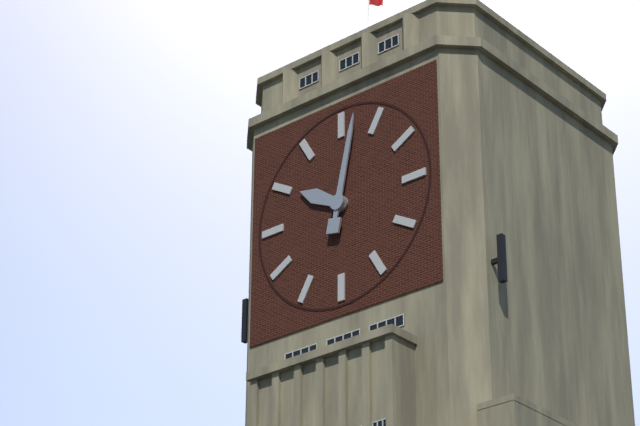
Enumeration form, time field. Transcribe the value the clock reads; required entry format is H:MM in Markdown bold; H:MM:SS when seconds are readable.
**10:02**
